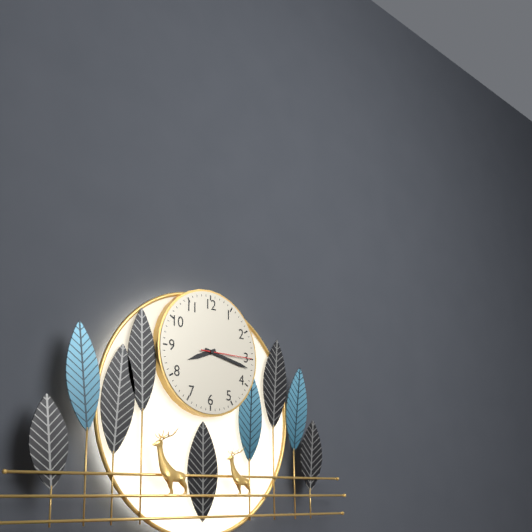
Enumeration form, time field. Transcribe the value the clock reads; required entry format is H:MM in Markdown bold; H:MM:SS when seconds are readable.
**8:17:15**
